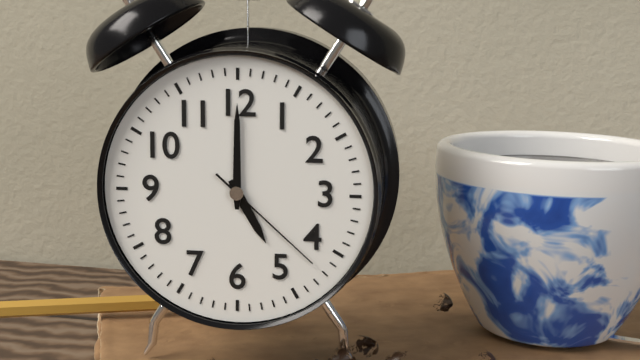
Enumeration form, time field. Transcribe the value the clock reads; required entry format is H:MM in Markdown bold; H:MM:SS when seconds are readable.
**5:00:22**
